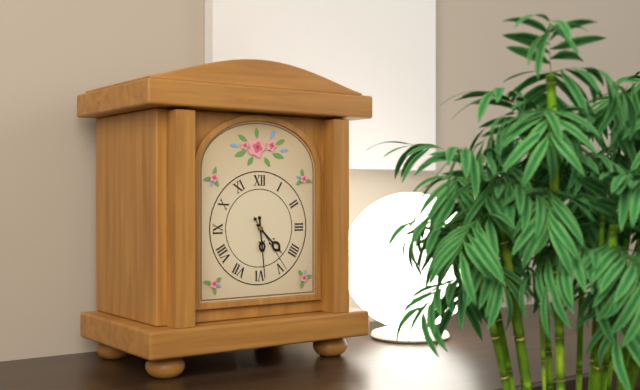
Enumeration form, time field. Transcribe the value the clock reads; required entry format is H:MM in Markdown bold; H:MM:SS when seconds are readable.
**4:29:24**
